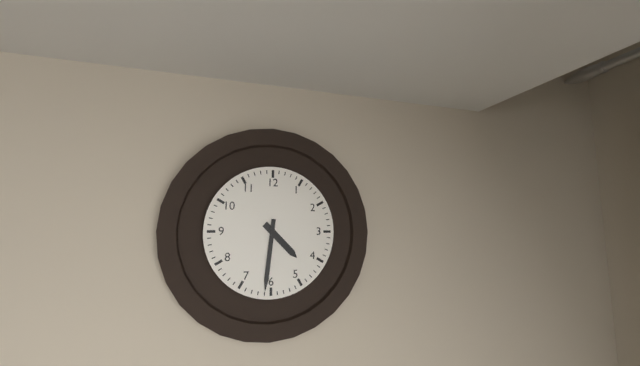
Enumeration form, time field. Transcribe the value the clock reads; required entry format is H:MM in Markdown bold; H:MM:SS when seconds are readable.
**4:31**
